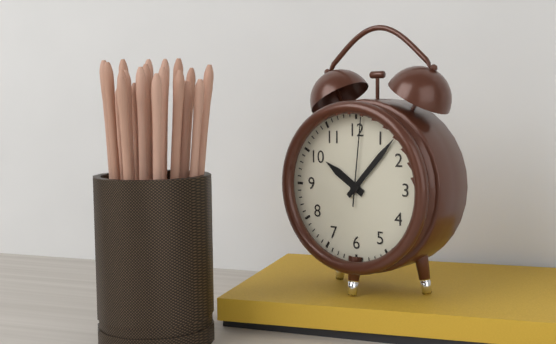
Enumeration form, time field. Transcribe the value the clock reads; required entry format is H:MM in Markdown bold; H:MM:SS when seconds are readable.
**10:07:01**
